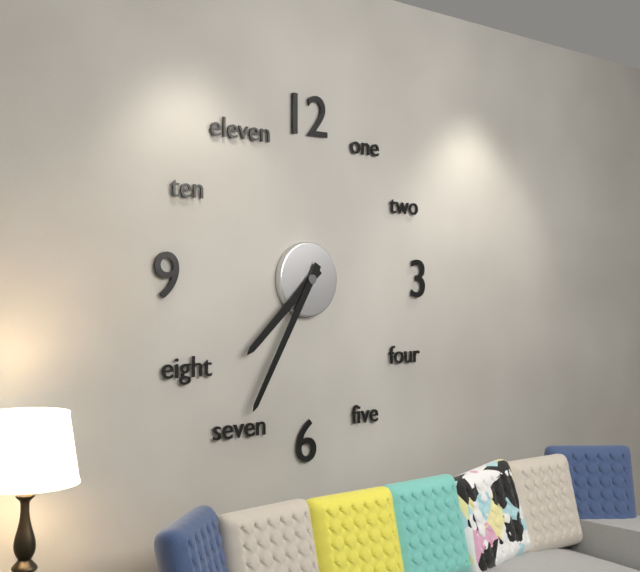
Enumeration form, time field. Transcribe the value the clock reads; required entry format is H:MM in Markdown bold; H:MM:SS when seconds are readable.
**7:35**
